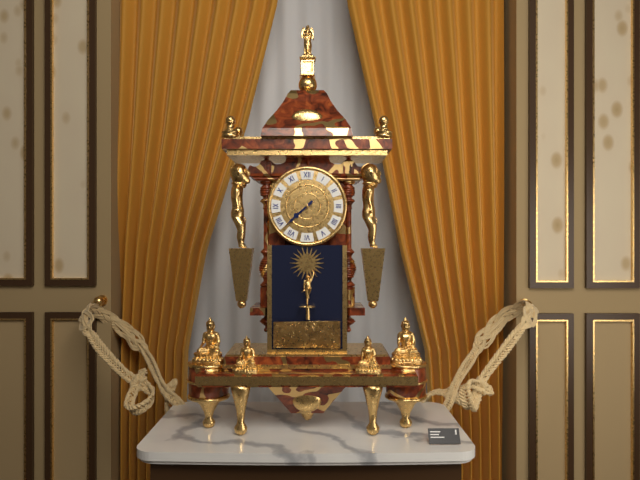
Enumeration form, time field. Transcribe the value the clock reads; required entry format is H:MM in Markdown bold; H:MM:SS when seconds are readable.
**7:38**
